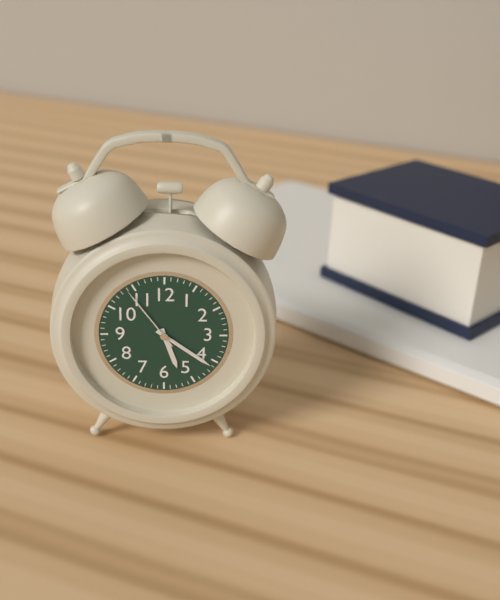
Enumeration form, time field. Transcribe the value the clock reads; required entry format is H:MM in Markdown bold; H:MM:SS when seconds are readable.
**5:21:54**
